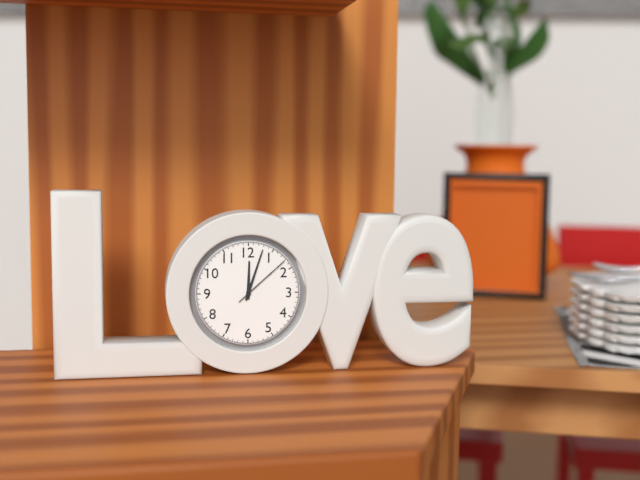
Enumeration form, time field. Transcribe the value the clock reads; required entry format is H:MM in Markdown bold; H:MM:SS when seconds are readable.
**12:03:08**
